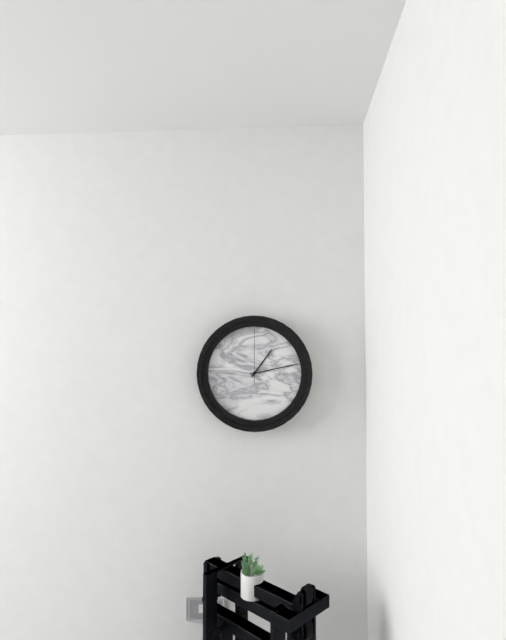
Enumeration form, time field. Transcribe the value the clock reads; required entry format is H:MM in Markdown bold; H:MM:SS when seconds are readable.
**1:13:00**
